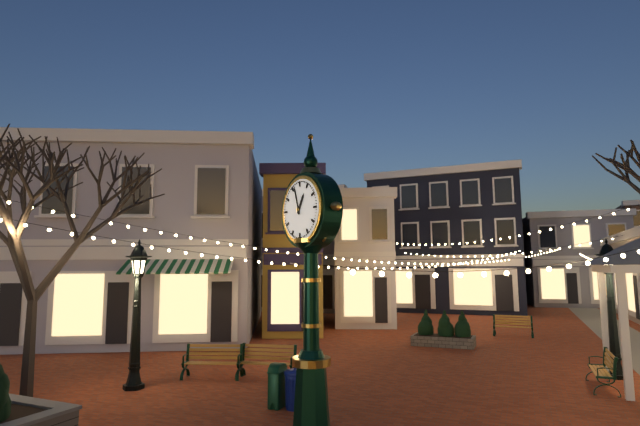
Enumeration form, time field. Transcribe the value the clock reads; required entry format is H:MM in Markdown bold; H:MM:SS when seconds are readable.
**12:57**
